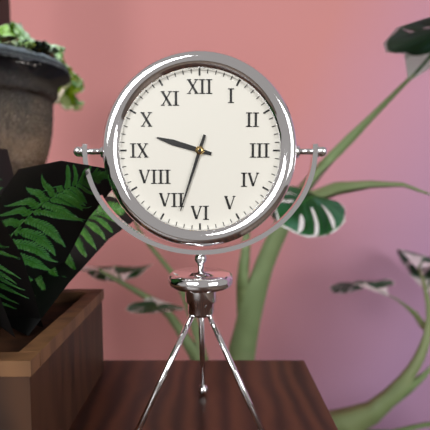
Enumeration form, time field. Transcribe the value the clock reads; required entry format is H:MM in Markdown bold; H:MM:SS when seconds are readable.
**9:33**
